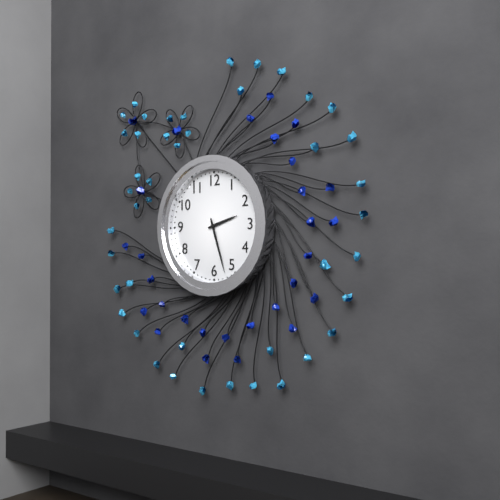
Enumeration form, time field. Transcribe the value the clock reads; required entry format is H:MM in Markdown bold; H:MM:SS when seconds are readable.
**2:27**
